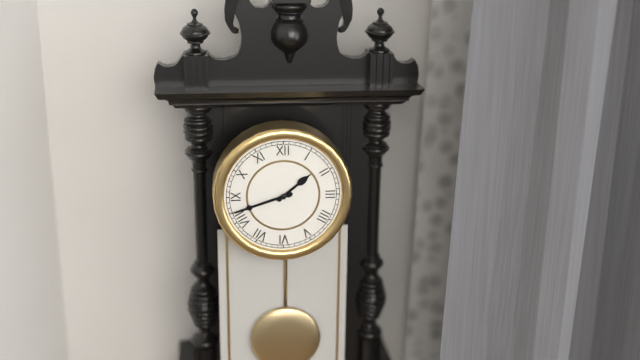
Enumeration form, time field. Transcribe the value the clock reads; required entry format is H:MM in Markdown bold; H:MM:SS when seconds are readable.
**1:42**
